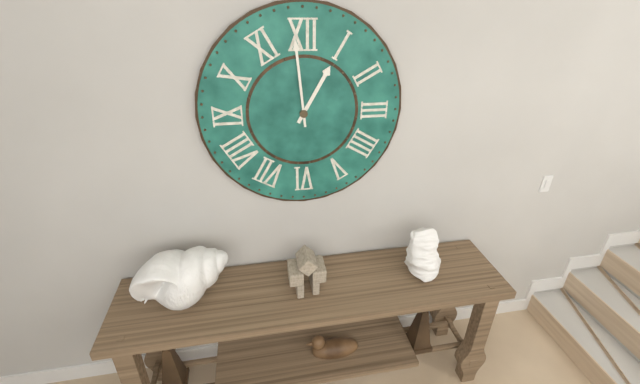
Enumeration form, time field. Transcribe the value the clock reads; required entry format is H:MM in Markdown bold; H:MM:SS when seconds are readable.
**12:59**
